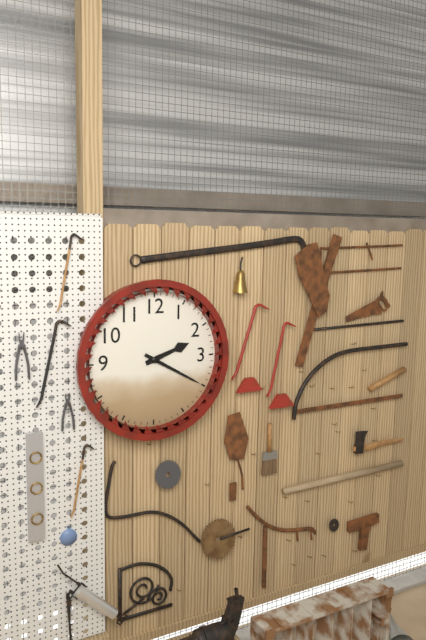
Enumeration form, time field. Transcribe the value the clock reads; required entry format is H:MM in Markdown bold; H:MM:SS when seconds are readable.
**2:20**
